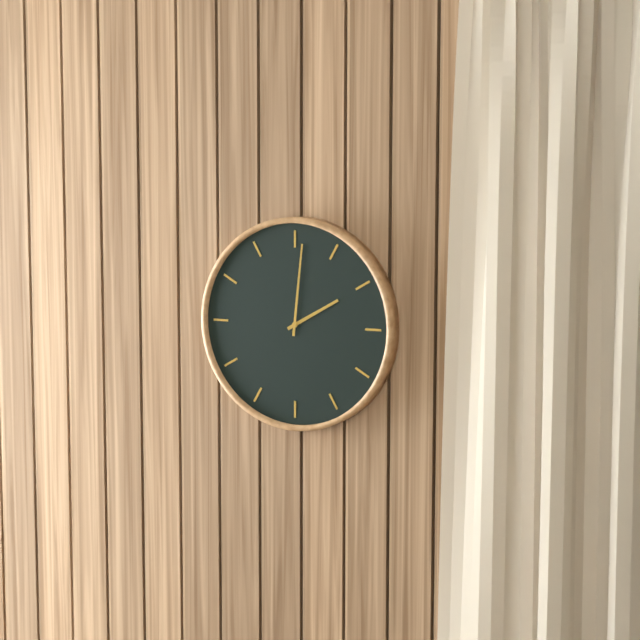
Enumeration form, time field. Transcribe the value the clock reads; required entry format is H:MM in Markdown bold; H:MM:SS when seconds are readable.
**2:01**
